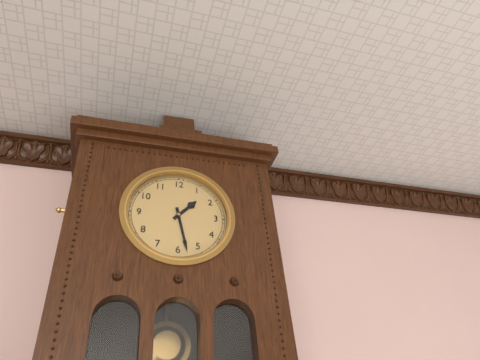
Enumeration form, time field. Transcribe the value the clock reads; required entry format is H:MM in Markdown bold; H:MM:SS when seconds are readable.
**1:28**
